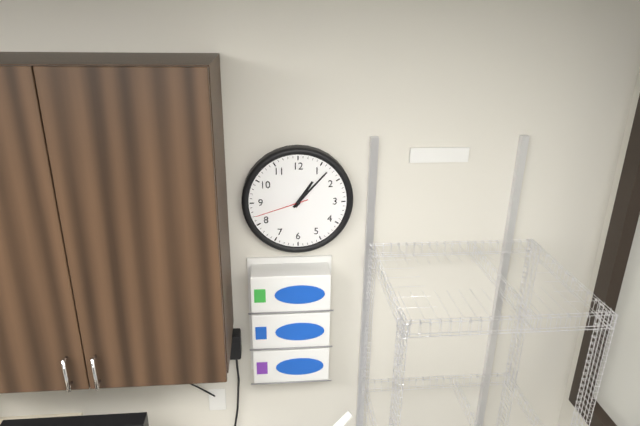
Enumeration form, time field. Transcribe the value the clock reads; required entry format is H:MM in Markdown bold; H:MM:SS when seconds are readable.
**1:07:42**
